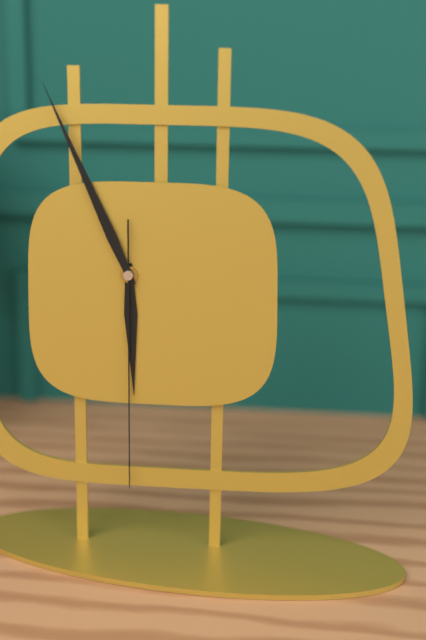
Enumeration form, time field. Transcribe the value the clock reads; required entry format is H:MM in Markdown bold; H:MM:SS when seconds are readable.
**5:56:30**
